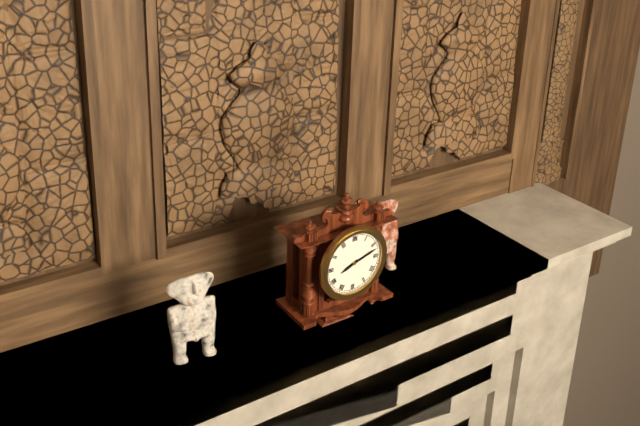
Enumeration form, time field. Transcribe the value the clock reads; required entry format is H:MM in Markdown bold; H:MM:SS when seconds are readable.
**8:12**
